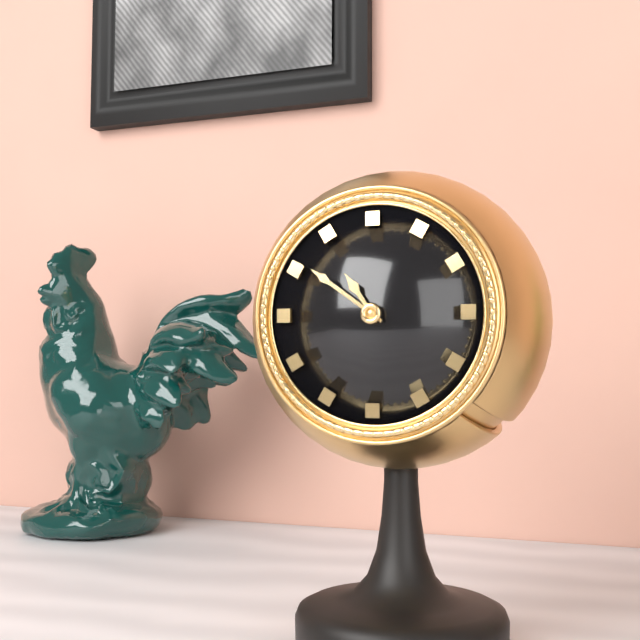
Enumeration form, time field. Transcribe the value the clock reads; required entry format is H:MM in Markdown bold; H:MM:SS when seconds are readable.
**10:51**
